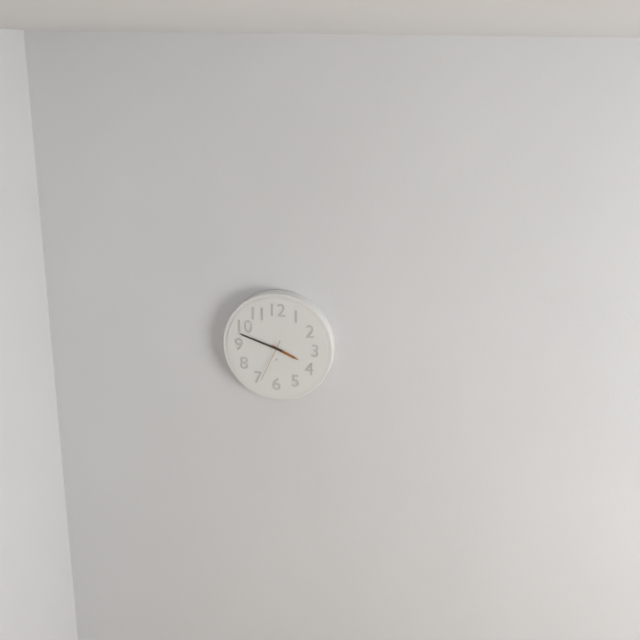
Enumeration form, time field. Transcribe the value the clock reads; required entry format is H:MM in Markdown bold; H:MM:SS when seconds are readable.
**3:48**
